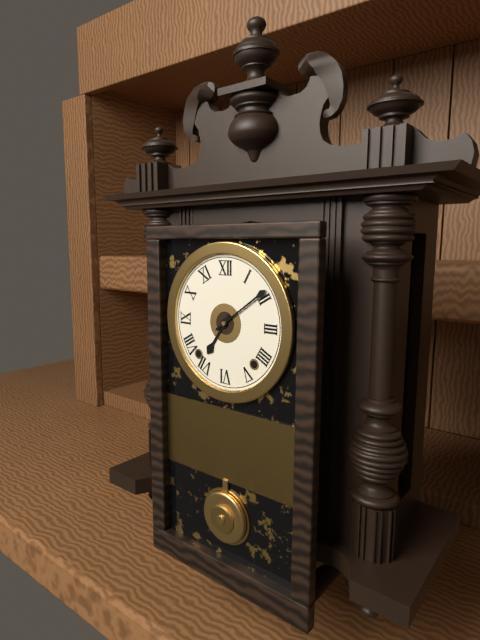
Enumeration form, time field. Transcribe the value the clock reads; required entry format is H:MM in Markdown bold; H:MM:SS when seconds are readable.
**7:09**
